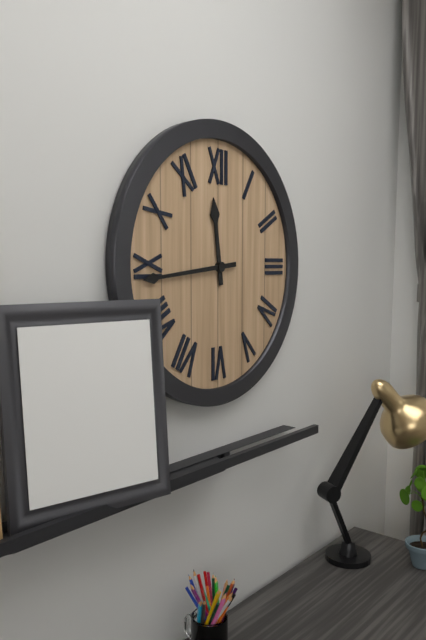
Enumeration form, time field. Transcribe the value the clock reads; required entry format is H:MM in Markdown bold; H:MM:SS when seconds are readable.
**11:44**
